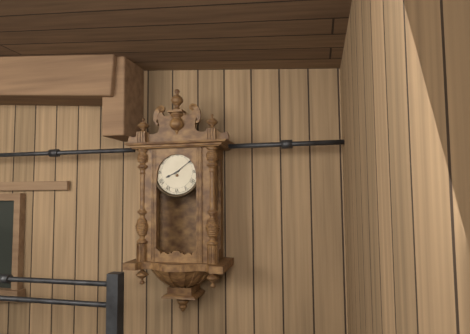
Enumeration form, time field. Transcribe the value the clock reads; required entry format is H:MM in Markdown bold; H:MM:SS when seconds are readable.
**8:09**
